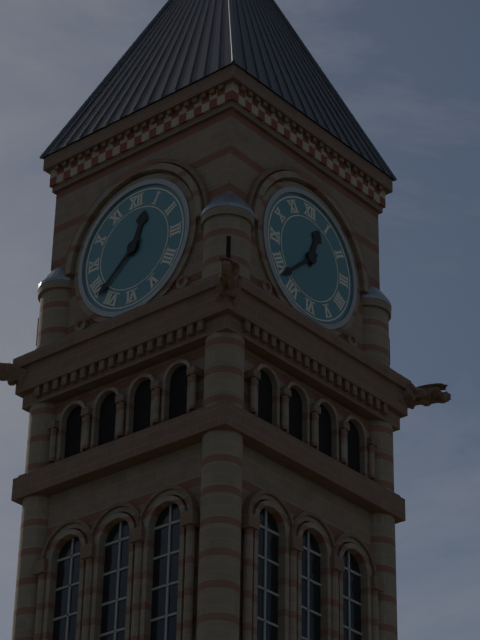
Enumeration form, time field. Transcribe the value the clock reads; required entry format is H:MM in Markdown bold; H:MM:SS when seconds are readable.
**12:38**
